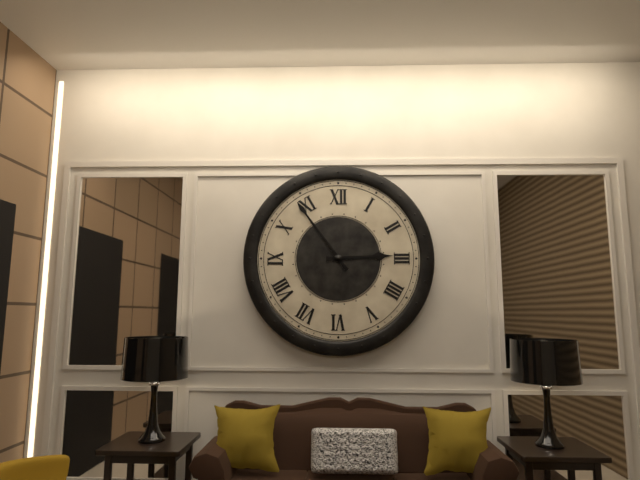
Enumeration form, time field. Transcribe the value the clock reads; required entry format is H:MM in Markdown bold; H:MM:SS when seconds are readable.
**2:54**
